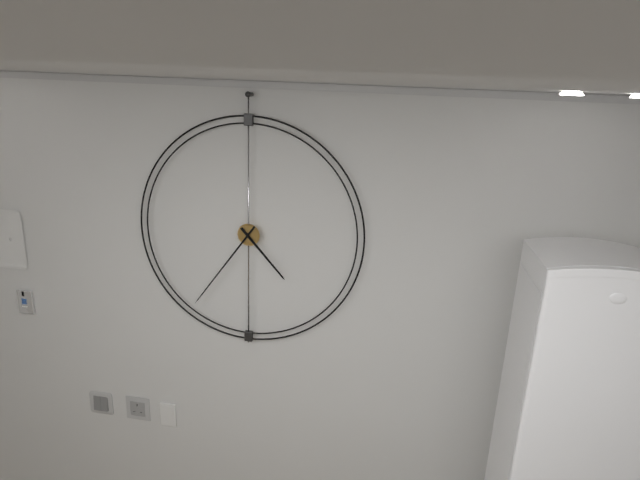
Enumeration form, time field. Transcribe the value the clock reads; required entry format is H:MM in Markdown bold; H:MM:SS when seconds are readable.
**4:36**
